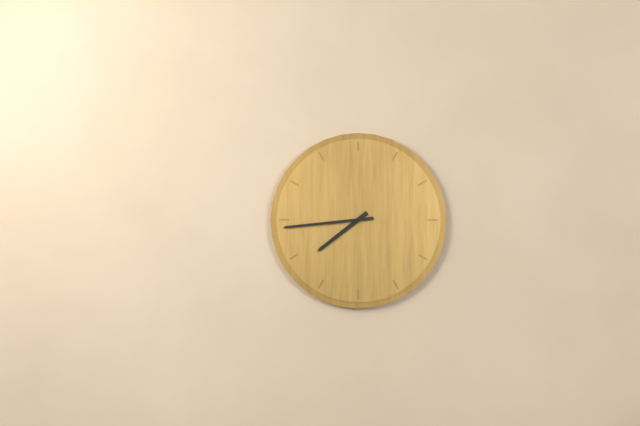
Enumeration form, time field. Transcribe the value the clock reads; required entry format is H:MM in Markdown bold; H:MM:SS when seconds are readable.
**7:44**
